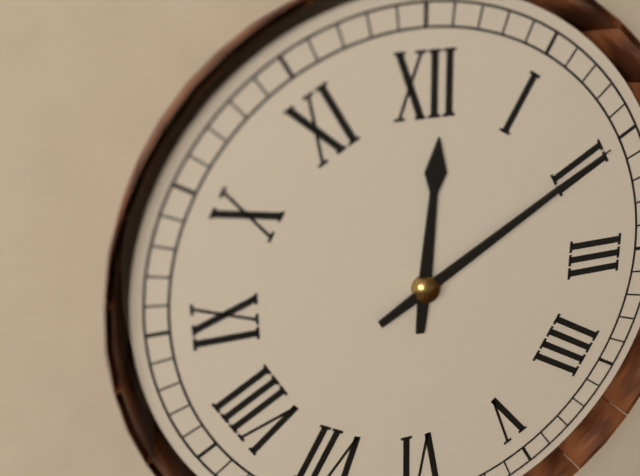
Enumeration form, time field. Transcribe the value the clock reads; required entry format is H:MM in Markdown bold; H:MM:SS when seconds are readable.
**12:10**
